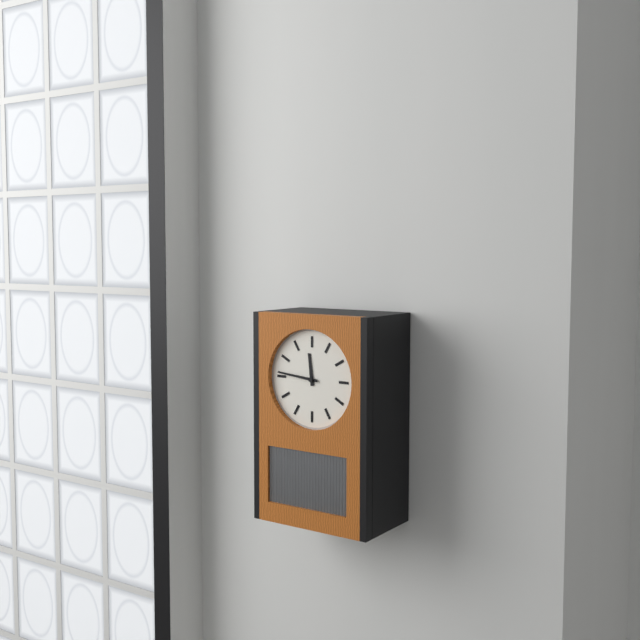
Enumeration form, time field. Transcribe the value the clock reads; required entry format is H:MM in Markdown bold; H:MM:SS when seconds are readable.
**11:46**
